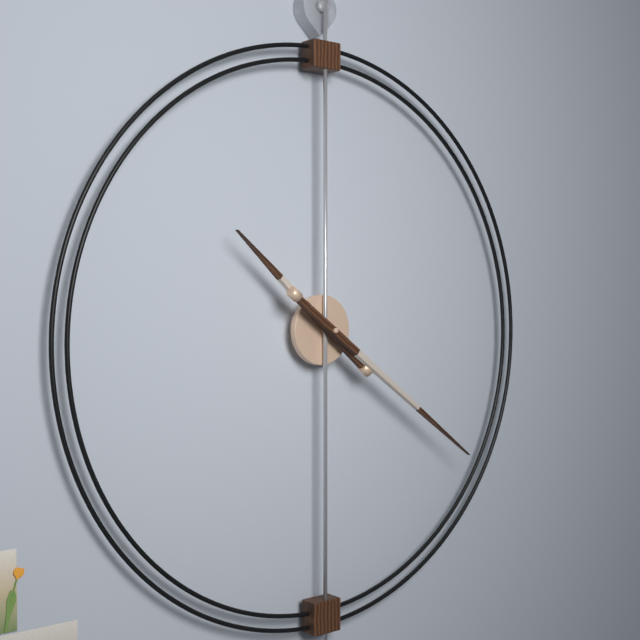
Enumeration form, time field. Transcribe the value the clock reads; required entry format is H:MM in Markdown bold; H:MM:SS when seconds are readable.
**10:21**
